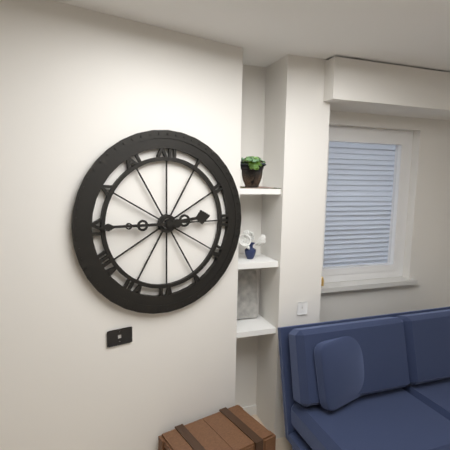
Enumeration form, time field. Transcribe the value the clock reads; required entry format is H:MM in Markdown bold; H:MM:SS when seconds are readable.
**2:45**
